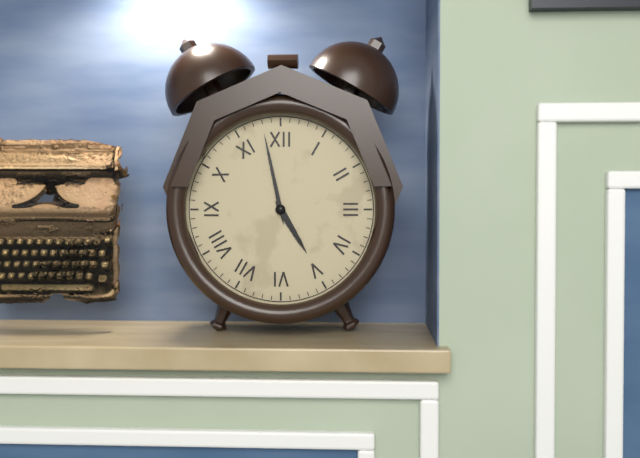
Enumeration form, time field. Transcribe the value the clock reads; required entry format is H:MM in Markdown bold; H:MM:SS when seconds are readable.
**4:58**
